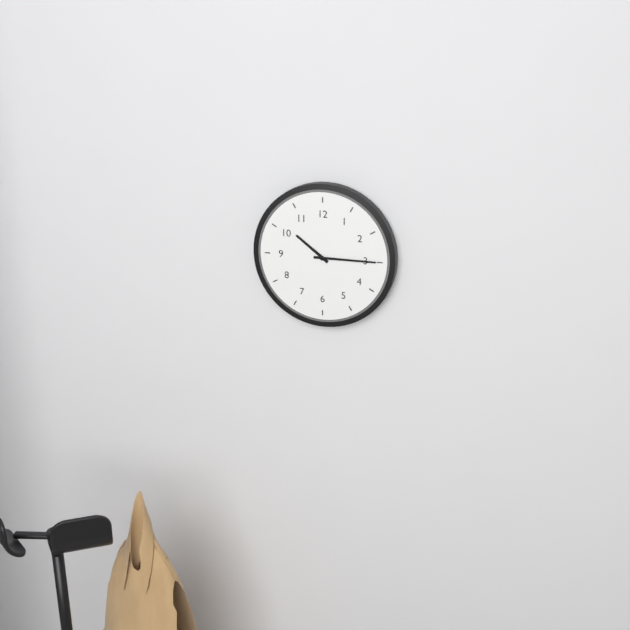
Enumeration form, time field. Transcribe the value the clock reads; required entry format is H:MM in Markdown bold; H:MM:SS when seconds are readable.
**10:15**
